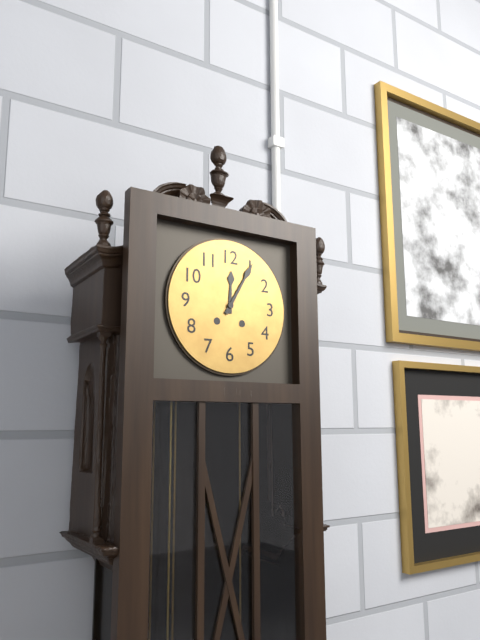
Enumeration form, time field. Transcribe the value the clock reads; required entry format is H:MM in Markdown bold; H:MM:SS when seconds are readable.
**12:05**
